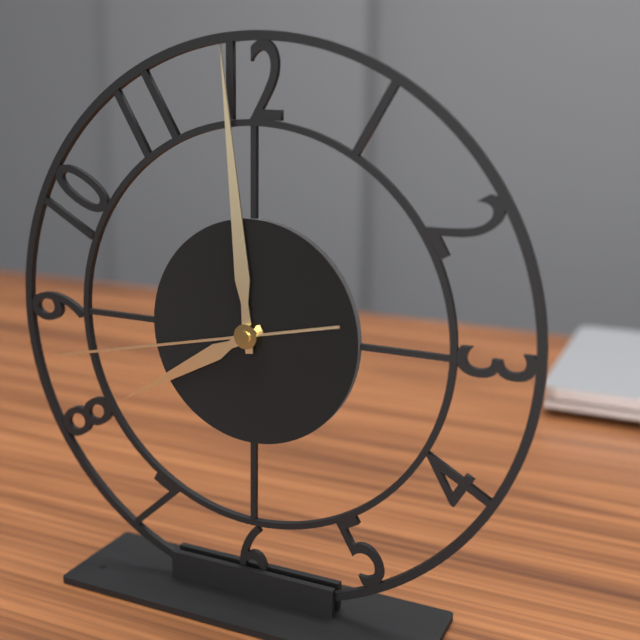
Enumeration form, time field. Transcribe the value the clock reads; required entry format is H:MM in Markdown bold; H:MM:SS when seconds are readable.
**7:59:43**
